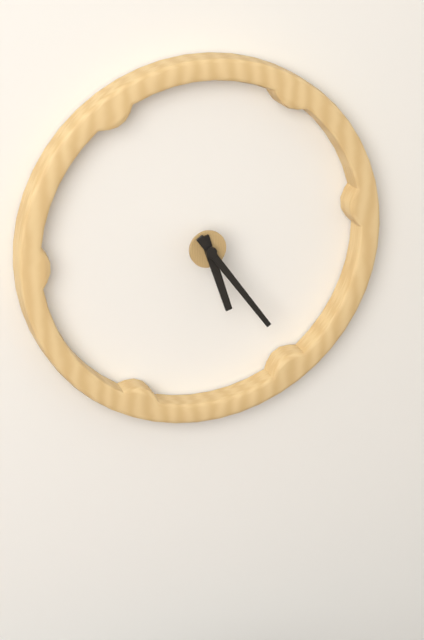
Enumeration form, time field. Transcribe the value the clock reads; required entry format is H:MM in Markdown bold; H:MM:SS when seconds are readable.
**5:24**
